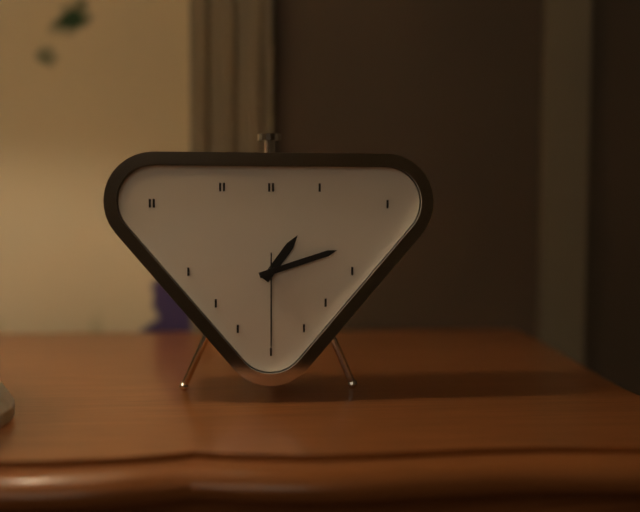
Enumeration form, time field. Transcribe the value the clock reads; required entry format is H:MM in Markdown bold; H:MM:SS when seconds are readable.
**1:12:30**
